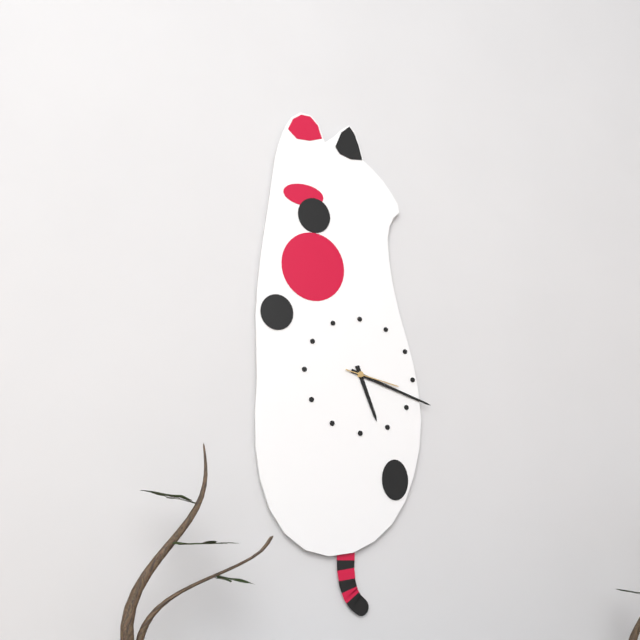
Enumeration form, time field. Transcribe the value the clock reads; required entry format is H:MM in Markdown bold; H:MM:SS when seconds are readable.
**5:18**
